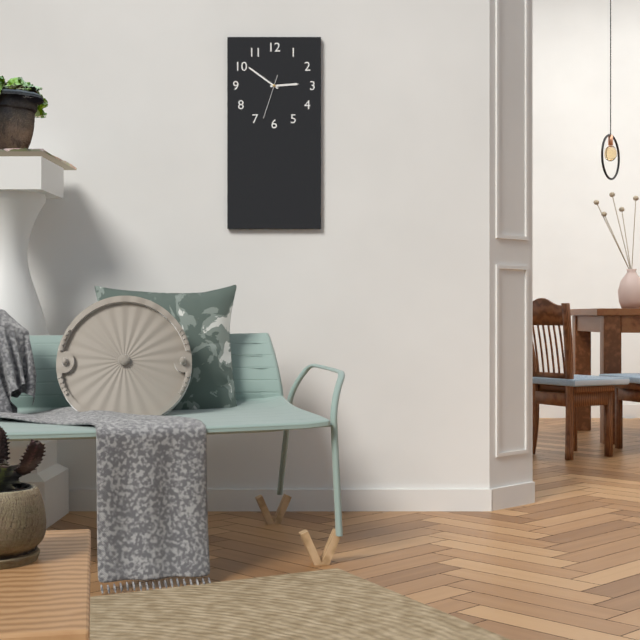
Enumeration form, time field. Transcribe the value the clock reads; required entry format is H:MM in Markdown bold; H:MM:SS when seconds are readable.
**2:51**
